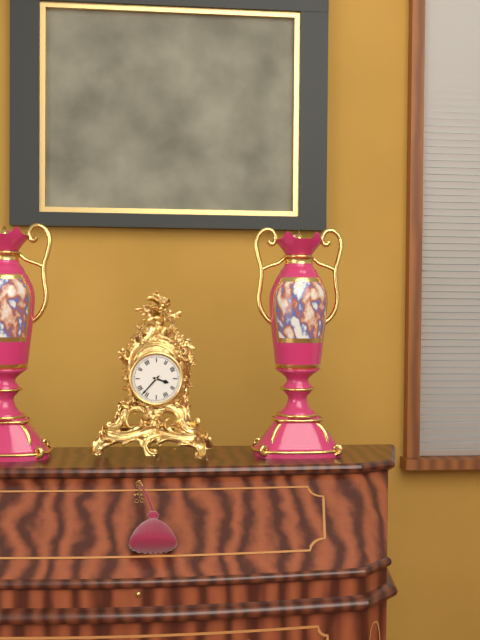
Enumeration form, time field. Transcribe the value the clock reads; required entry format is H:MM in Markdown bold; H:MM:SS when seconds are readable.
**3:37**
